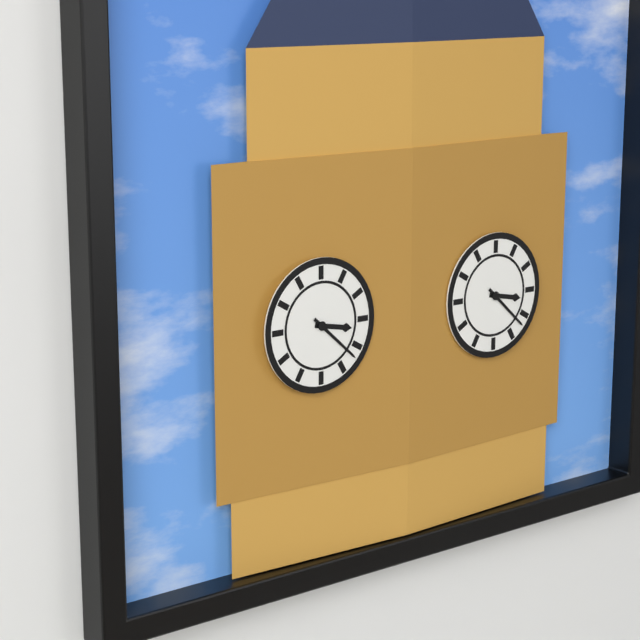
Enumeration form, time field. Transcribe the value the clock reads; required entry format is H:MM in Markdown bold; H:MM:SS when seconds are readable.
**3:22**
